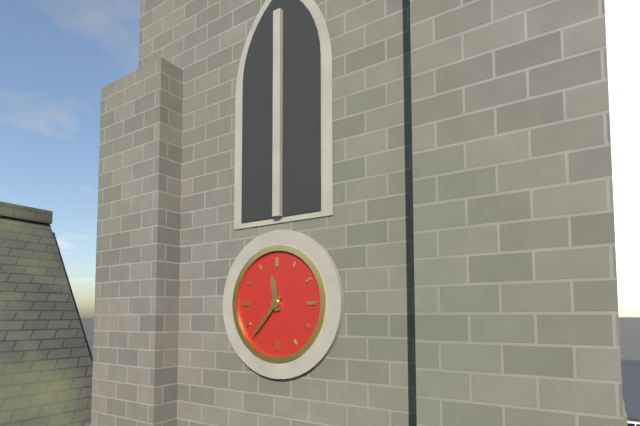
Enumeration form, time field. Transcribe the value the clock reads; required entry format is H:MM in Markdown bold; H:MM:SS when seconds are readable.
**11:37**
